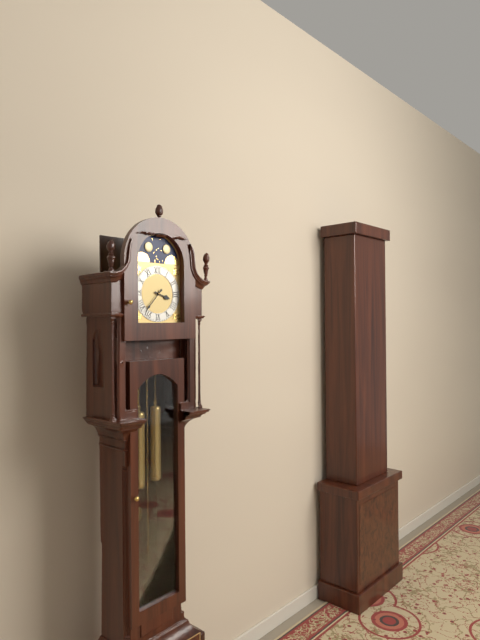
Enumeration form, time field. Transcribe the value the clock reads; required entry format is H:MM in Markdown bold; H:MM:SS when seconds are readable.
**3:37**
